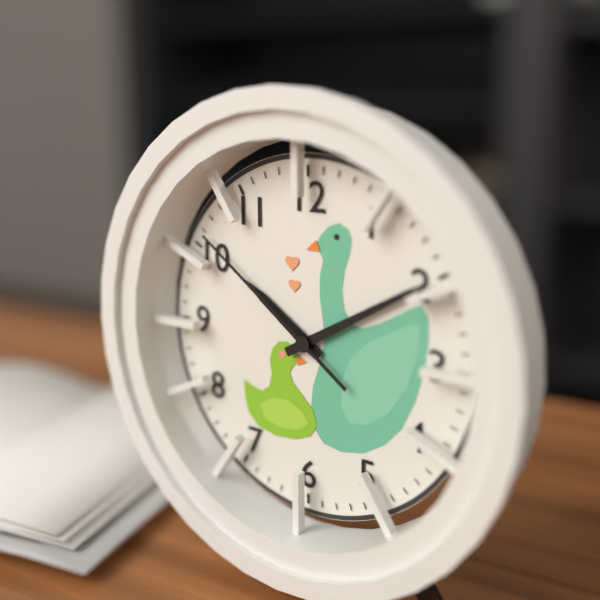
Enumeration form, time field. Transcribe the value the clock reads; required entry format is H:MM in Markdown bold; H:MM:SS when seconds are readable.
**10:10:51**
